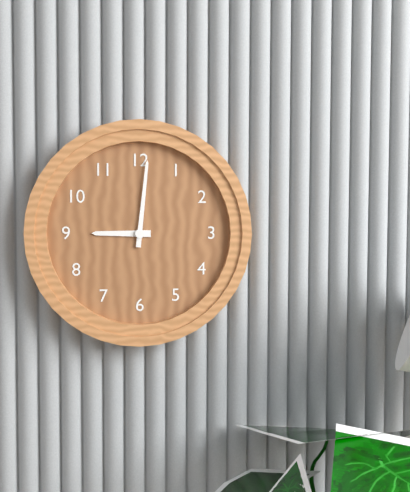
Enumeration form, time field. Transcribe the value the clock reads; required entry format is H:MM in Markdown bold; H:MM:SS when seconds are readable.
**9:01**
